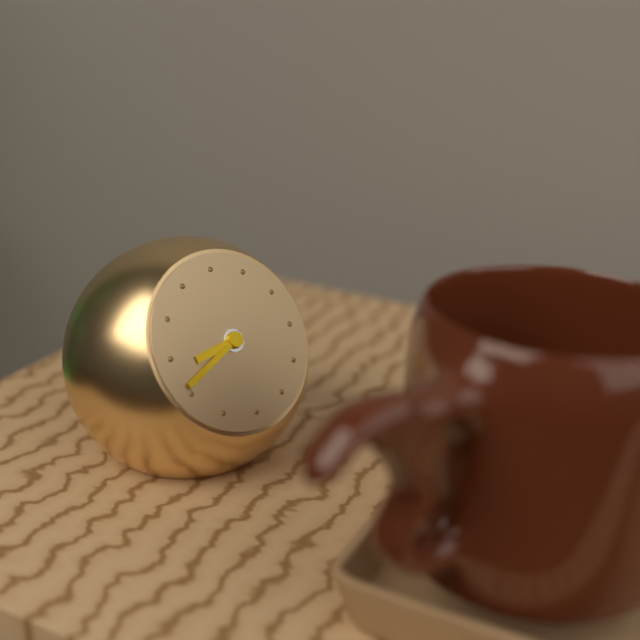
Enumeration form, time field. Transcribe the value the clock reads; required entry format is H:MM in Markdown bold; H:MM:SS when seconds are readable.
**8:41**
